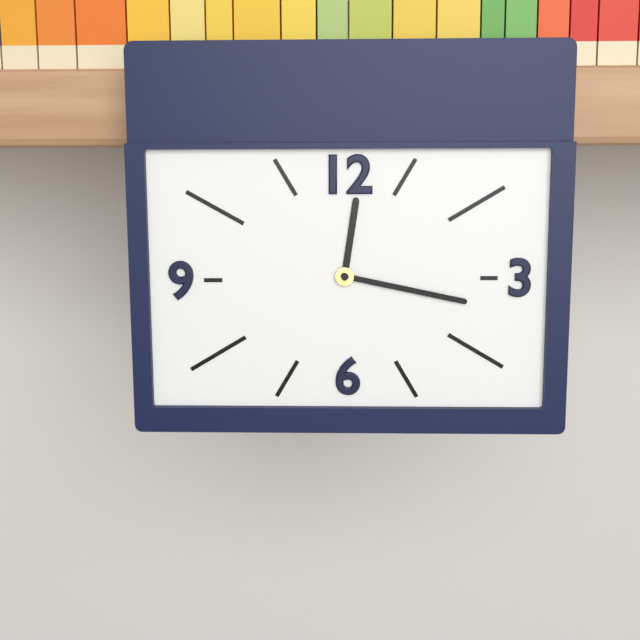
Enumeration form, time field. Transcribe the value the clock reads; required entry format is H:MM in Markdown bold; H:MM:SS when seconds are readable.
**12:17**
